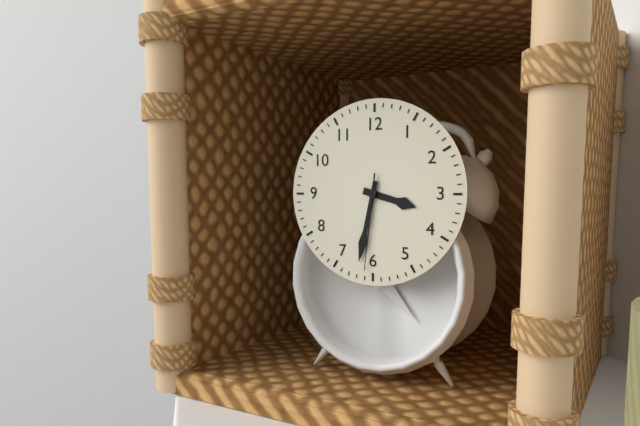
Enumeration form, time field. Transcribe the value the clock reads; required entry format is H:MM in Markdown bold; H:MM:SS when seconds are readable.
**3:32:31**
